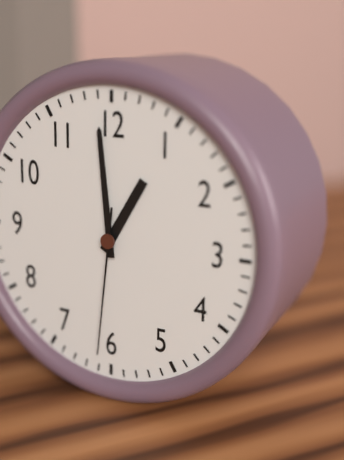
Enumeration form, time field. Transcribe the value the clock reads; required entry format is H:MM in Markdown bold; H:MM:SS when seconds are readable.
**12:59:31**
